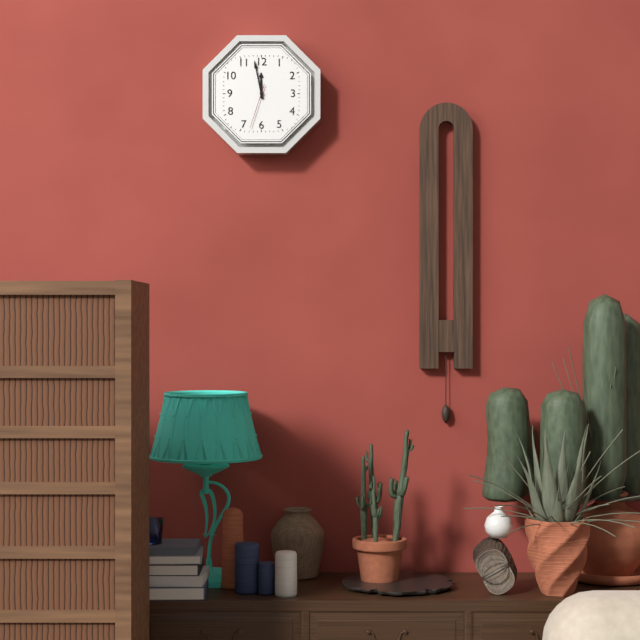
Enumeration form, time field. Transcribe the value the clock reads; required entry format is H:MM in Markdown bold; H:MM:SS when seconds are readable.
**11:58**
